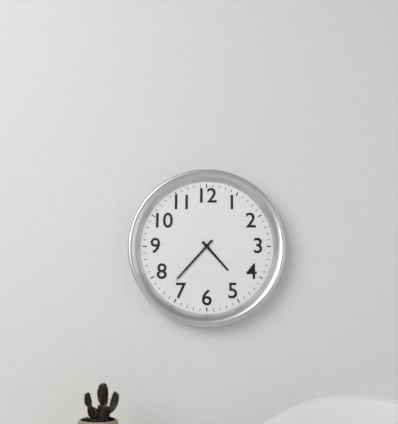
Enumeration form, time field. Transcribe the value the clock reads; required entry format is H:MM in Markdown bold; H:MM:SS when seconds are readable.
**4:37**
